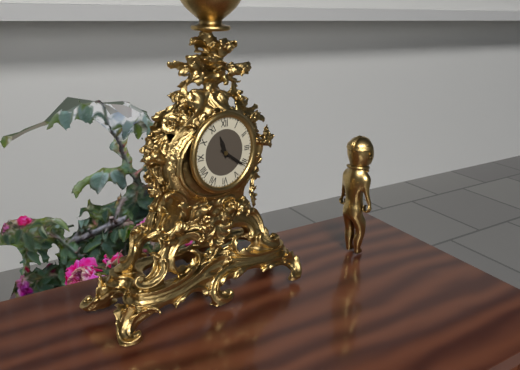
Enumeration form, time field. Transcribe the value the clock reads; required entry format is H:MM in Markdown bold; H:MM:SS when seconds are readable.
**11:21**
